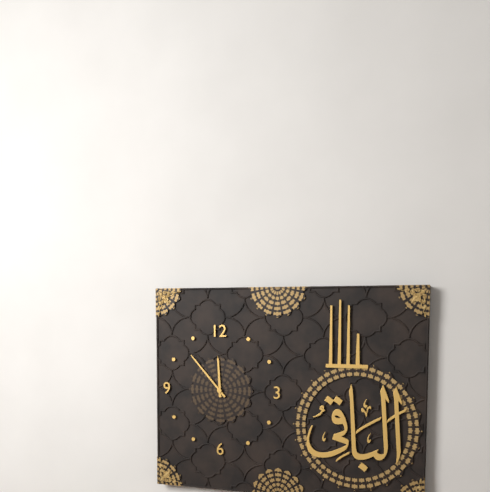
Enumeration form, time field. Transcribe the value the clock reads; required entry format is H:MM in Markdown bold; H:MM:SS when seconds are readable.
**11:53**
